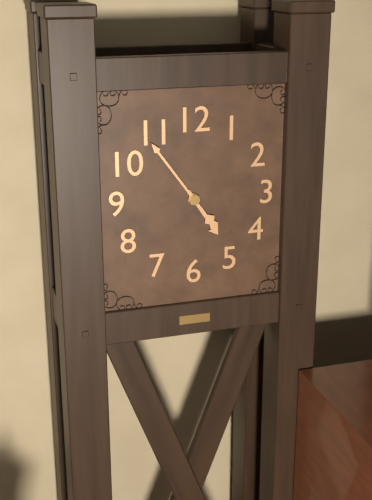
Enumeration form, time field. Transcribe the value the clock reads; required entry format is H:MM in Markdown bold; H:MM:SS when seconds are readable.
**4:54**
